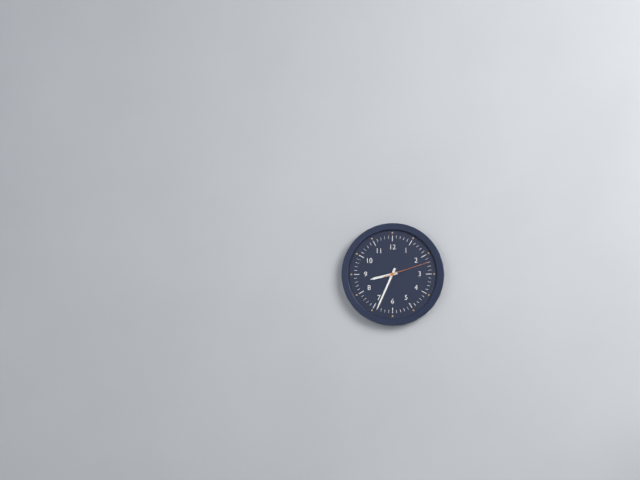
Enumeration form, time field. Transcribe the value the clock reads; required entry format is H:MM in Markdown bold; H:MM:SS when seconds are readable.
**8:34**
